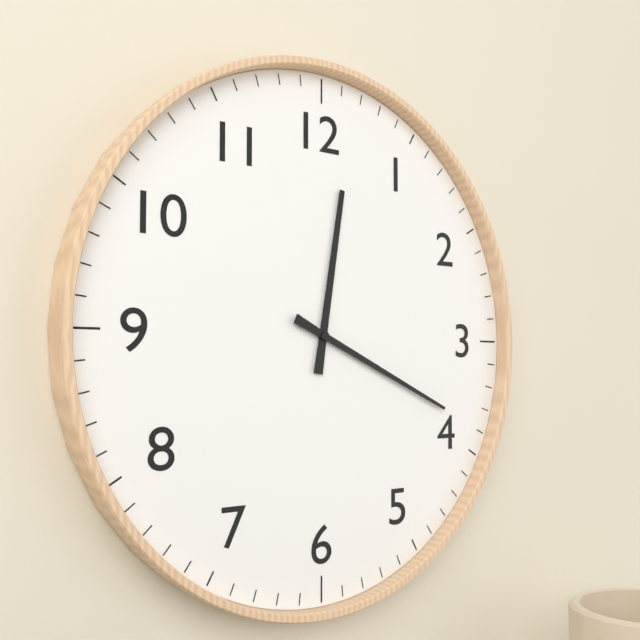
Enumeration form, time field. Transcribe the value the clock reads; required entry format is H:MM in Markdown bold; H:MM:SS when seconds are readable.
**12:19**
